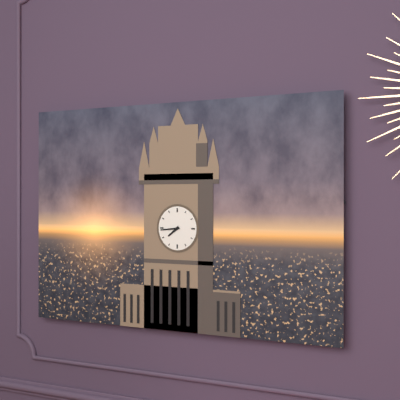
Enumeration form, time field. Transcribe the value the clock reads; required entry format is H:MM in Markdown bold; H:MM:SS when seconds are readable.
**7:44**
